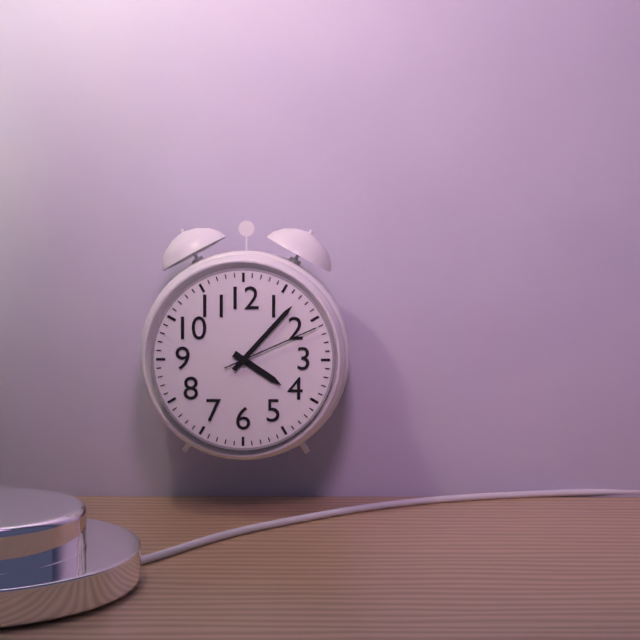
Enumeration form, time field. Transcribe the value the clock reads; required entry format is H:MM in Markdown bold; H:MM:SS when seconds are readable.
**4:07:11**
